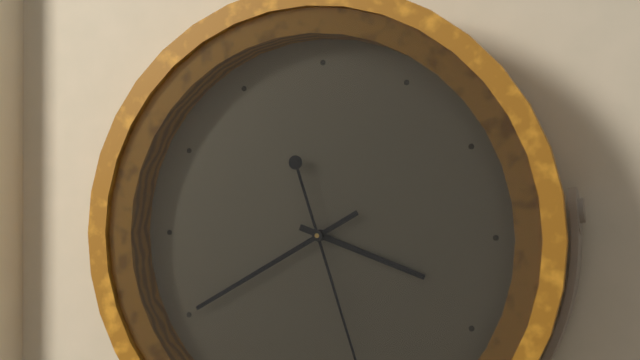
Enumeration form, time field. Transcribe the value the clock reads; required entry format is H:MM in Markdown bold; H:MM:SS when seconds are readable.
**3:40**
